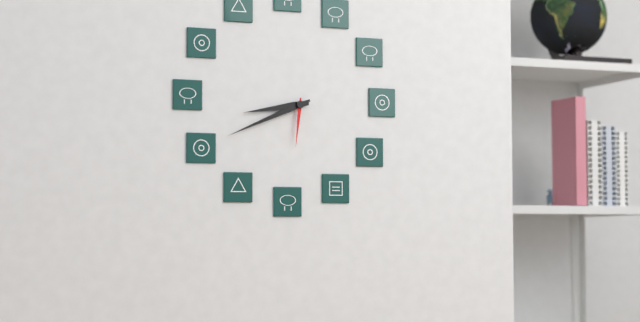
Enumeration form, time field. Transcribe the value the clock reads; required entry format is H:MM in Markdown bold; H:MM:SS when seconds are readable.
**8:41:31**
